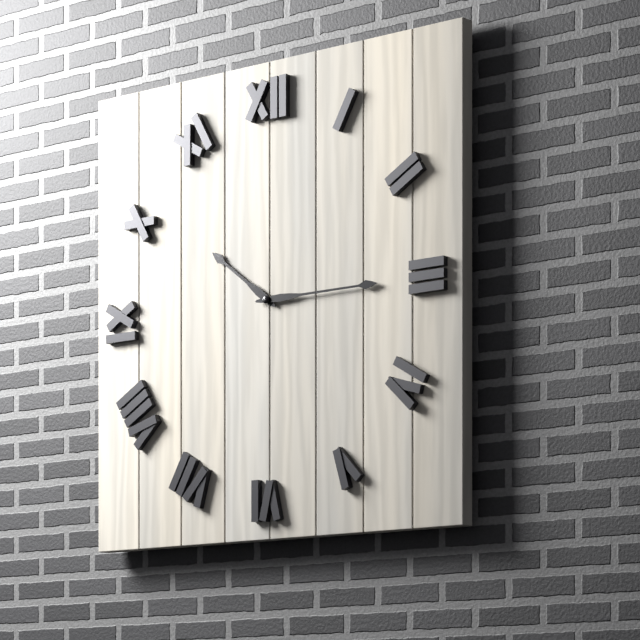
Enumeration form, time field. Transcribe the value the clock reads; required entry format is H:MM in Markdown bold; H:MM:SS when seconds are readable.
**10:15**
